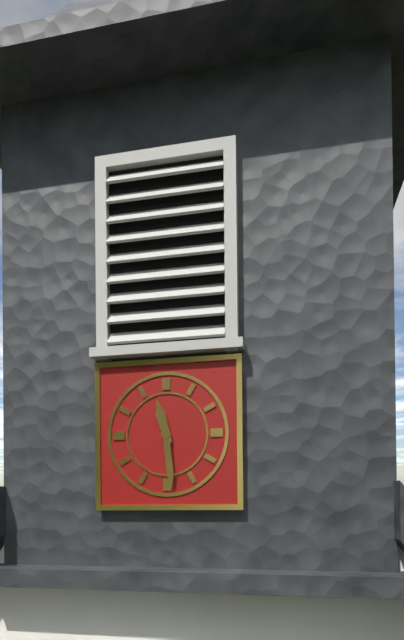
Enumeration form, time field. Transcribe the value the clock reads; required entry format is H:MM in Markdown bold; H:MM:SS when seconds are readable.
**11:29**
